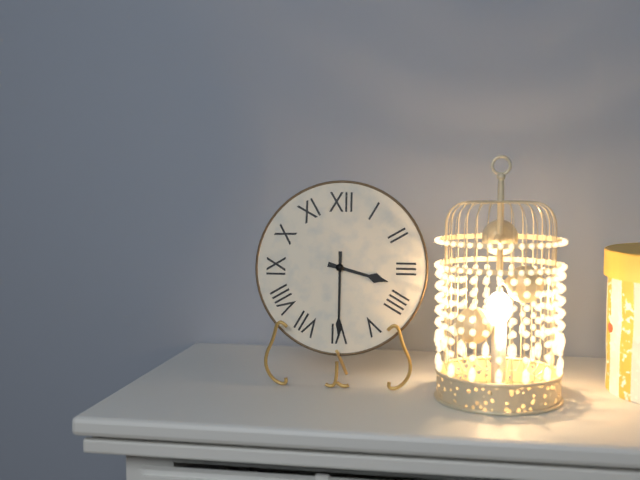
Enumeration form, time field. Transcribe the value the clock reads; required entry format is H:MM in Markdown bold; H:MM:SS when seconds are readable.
**3:30**
